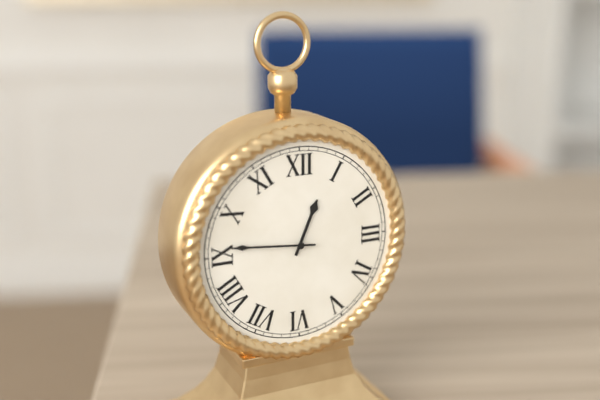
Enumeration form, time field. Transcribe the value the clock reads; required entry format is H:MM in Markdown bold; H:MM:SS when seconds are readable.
**12:46**
